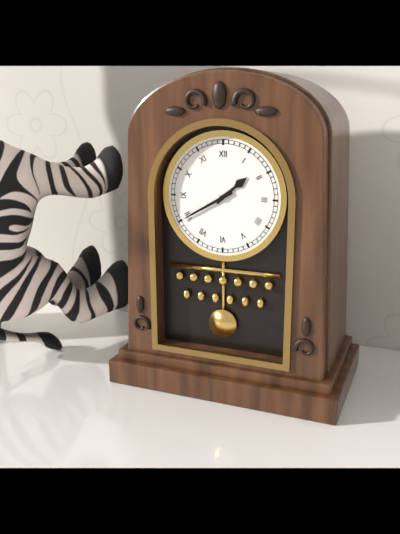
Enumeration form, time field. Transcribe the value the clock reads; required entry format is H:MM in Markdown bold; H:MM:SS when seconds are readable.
**1:40**
